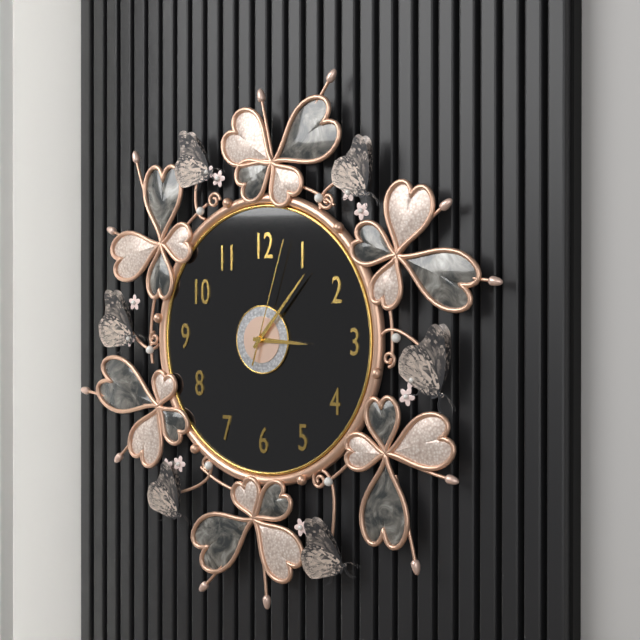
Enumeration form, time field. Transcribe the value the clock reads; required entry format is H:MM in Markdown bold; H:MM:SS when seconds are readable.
**3:07:03**
